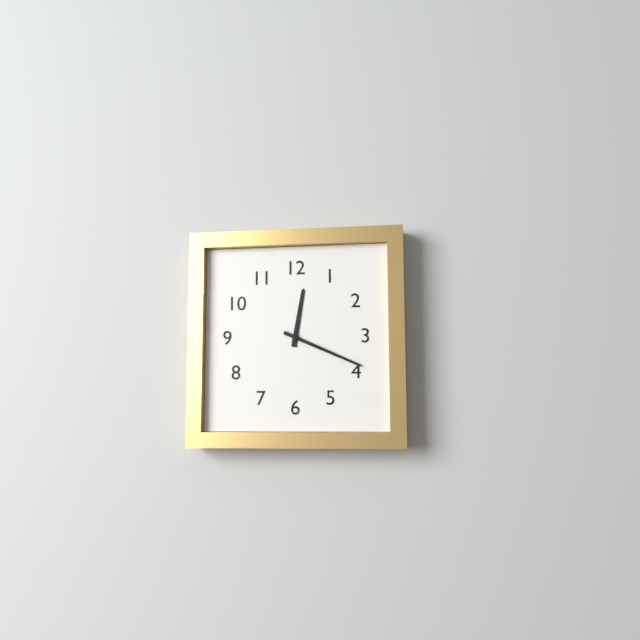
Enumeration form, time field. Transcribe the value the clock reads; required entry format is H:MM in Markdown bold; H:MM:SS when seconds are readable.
**12:19**
